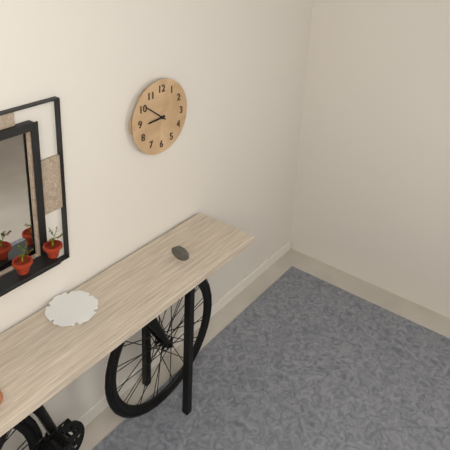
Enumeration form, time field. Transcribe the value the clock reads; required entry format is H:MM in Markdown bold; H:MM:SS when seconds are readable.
**8:51**
